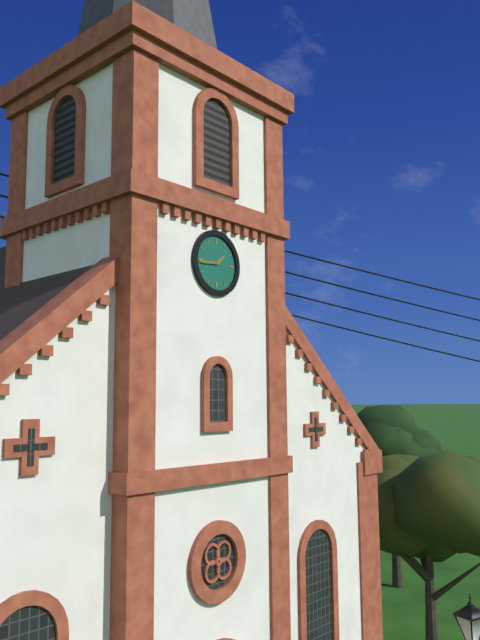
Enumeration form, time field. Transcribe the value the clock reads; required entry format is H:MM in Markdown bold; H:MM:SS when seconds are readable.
**1:44**
